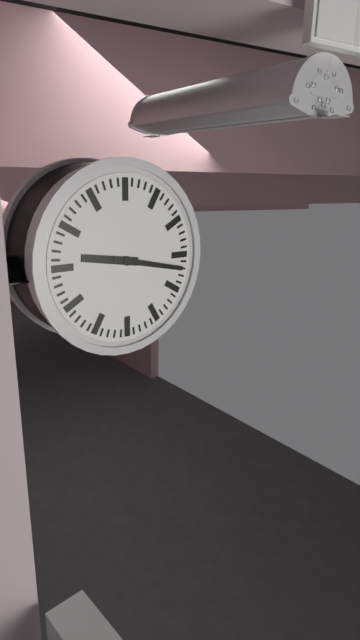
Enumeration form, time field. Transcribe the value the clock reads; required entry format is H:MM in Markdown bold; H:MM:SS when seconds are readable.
**9:17**
